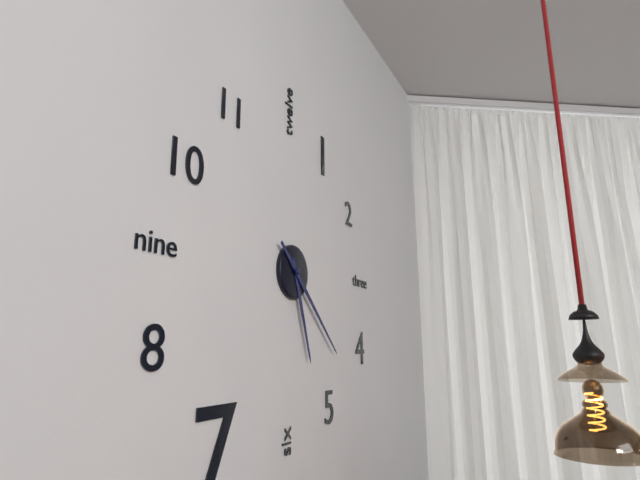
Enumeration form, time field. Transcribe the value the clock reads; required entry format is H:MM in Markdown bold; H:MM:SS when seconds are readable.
**5:22**
